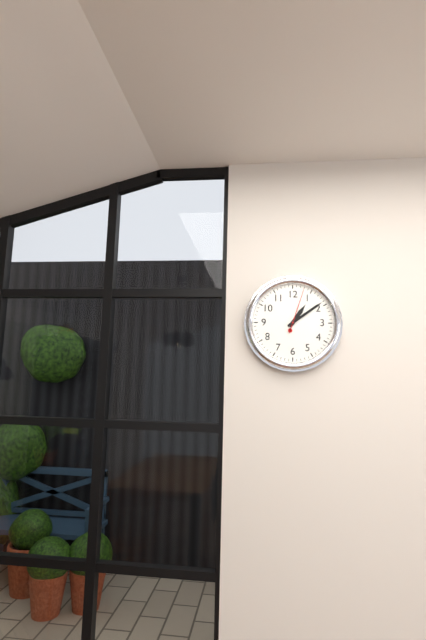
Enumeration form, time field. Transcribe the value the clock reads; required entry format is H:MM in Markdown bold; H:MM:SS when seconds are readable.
**1:09**
